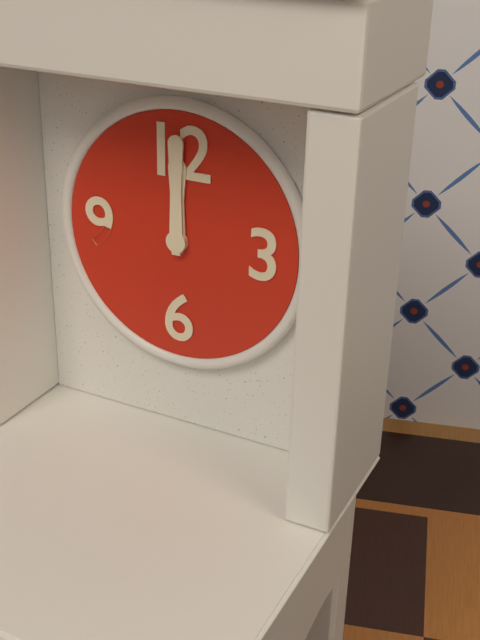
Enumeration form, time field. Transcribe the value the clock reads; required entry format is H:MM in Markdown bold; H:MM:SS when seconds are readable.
**12:00**
